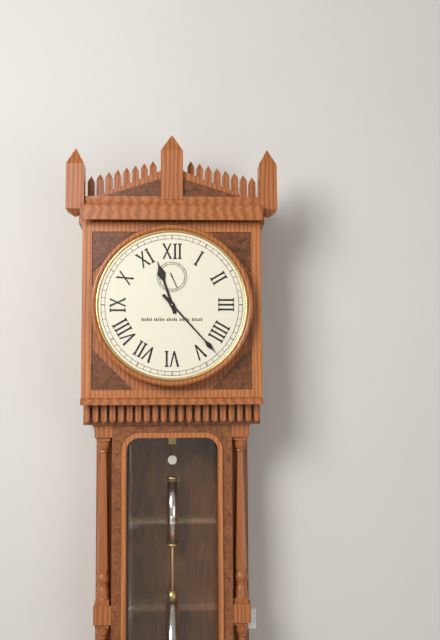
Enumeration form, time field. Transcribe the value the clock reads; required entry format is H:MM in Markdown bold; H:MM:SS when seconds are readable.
**11:23**
